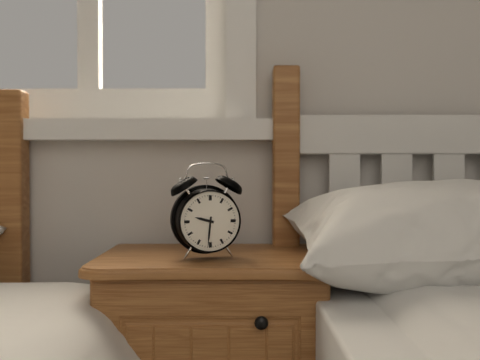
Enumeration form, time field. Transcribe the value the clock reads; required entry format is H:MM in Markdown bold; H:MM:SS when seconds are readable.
**9:31**
